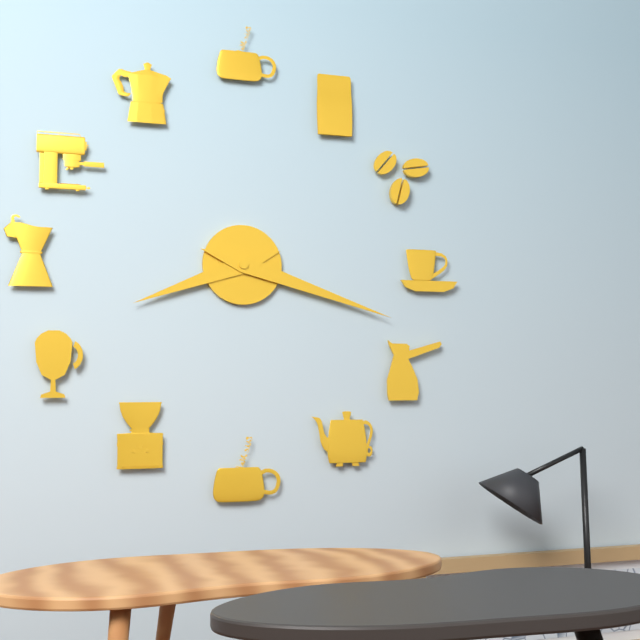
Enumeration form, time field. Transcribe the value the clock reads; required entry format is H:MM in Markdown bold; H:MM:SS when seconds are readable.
**8:18**
